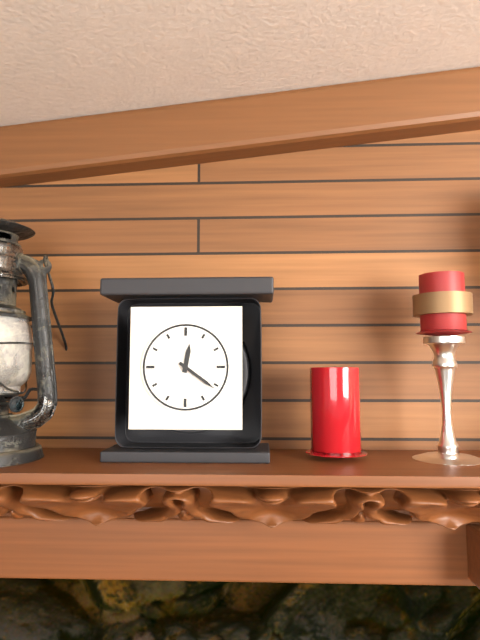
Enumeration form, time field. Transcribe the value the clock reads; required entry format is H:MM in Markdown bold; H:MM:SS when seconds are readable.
**12:21**
